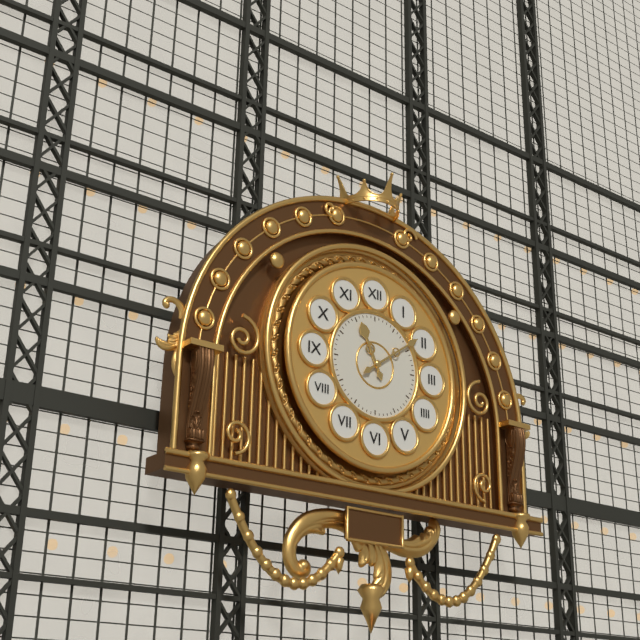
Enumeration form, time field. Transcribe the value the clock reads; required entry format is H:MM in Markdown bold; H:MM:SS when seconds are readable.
**11:09**
